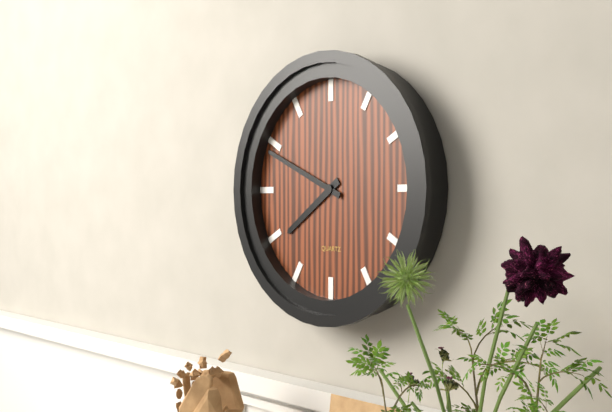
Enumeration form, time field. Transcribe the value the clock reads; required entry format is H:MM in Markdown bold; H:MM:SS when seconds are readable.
**7:49**
